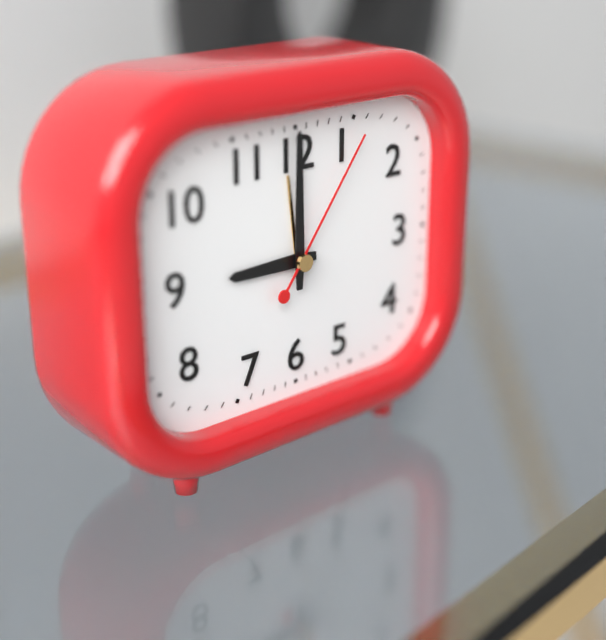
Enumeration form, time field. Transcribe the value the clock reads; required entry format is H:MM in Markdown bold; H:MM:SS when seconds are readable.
**9:00:06**
